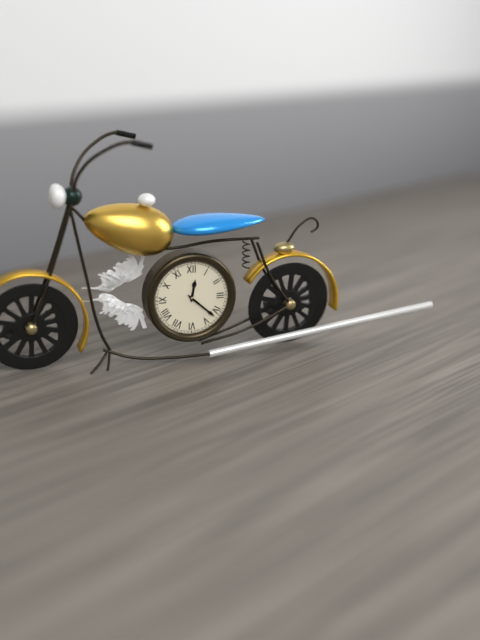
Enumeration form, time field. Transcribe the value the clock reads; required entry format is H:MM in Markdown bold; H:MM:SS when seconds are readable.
**12:22**
